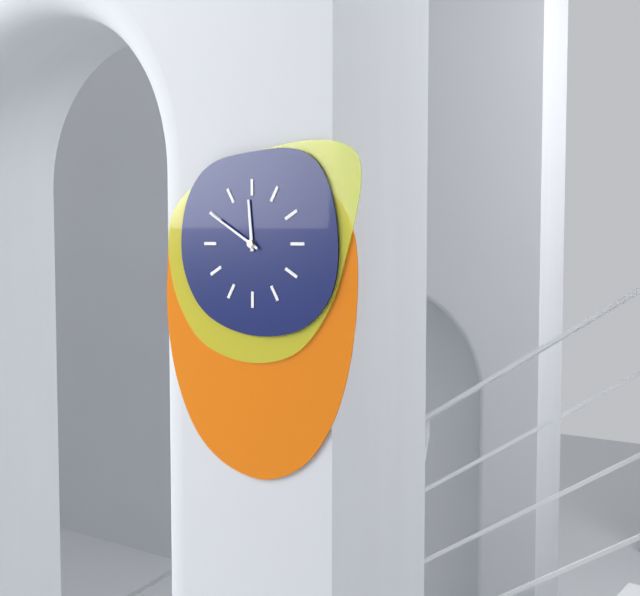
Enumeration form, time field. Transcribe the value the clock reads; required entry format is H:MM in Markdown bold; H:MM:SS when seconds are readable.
**11:50**
